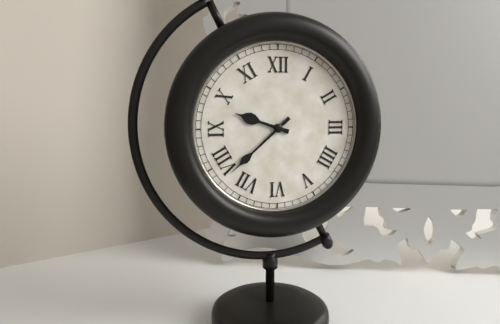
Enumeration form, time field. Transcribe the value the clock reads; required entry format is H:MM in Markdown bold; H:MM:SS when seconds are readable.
**9:38**
